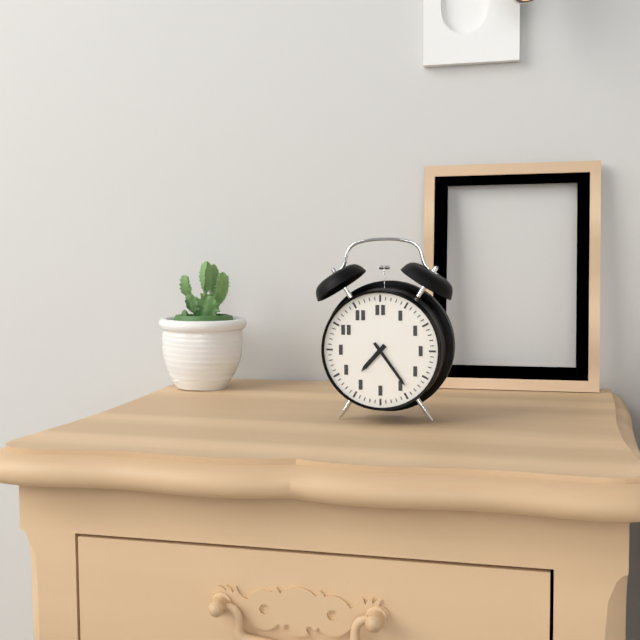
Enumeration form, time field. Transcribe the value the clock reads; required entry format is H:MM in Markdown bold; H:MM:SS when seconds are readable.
**7:24**
